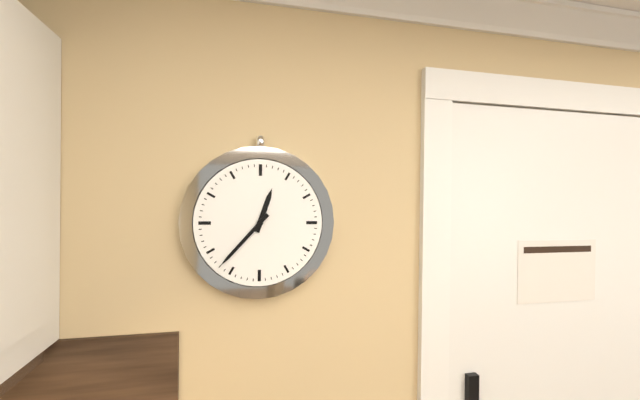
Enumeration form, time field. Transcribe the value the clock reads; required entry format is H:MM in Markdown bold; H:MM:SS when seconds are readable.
**12:37**
